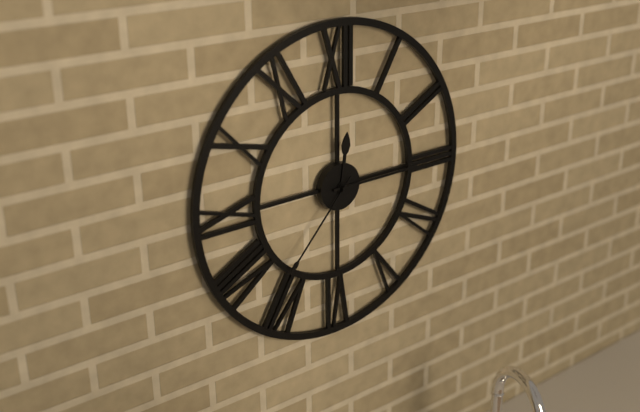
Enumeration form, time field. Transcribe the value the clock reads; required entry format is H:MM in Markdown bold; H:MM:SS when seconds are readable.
**12:15:37**
